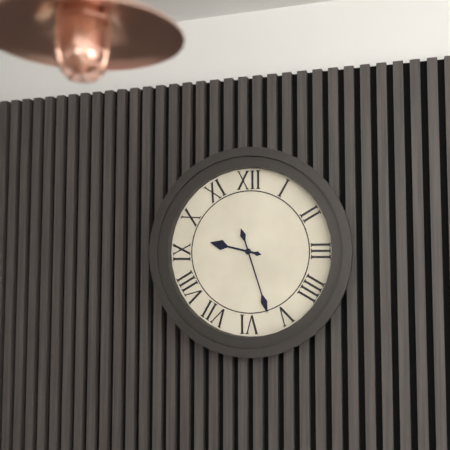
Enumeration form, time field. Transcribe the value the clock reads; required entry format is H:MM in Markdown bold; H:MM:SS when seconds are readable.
**9:27**
